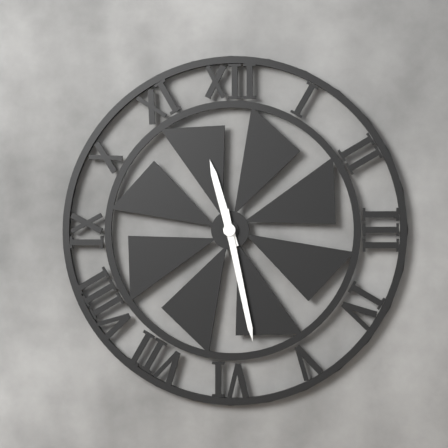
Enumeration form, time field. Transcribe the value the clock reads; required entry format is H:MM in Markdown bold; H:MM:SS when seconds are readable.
**11:28**
